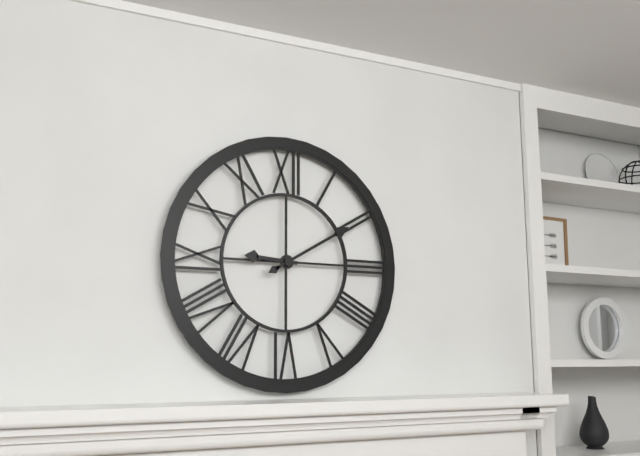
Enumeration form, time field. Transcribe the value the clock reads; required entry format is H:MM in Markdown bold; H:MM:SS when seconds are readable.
**9:10**
